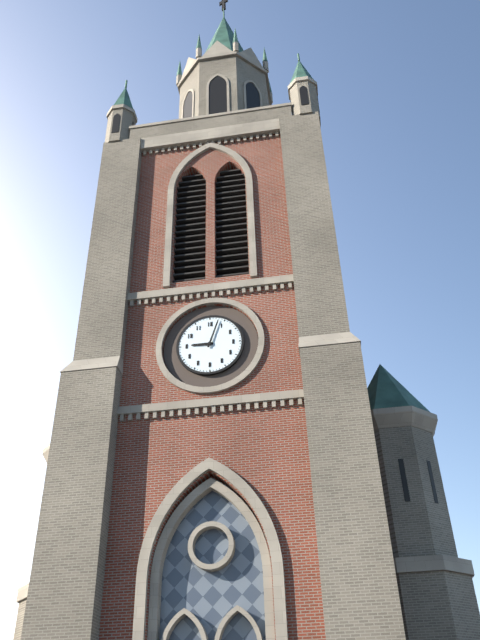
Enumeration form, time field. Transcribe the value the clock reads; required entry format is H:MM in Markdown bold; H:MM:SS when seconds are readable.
**9:03**
